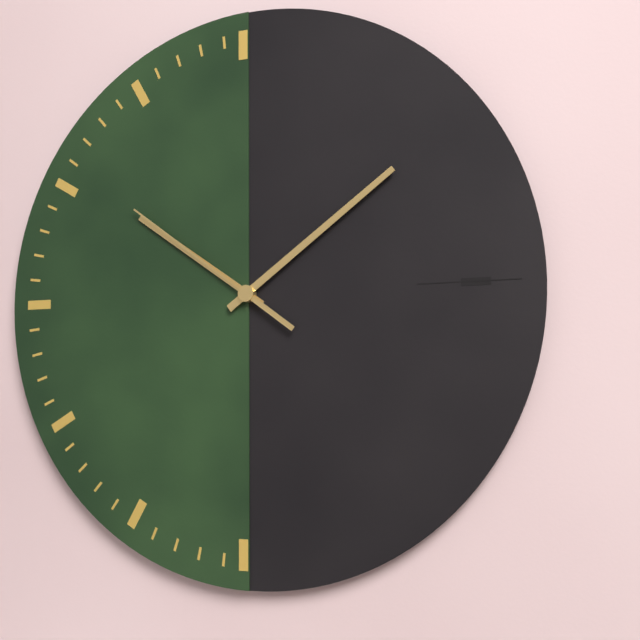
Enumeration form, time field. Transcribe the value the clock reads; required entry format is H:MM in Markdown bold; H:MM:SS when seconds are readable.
**10:09:51**
